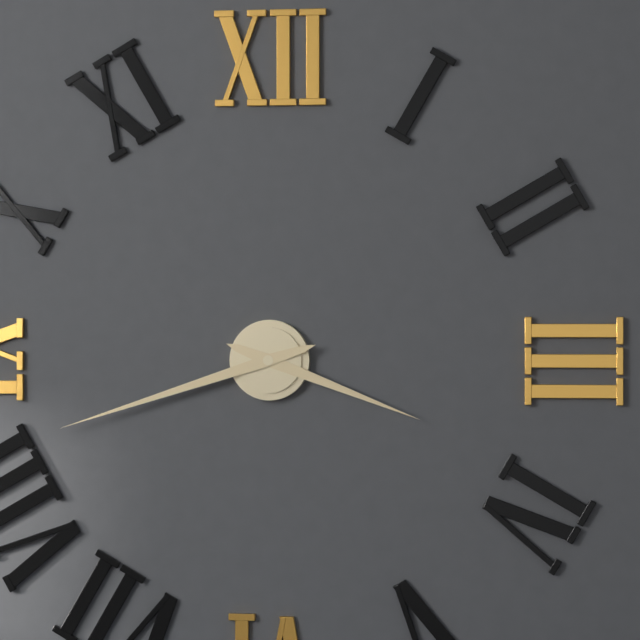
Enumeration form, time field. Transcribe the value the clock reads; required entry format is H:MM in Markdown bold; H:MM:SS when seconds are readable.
**3:42**
